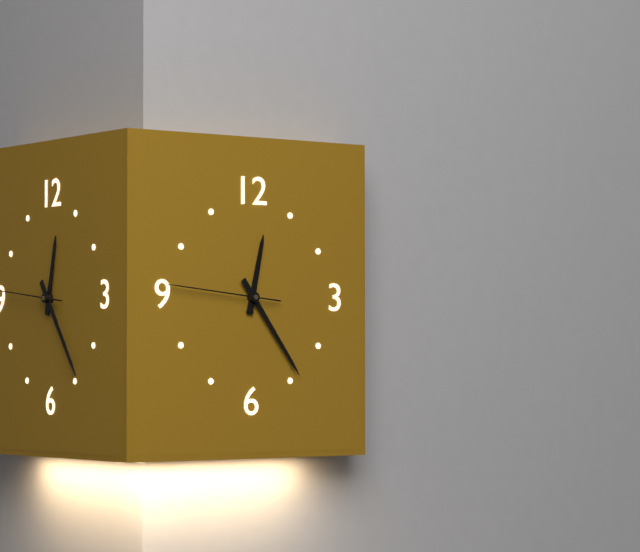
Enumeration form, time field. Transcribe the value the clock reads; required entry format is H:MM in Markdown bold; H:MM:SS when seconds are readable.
**12:24:46**
